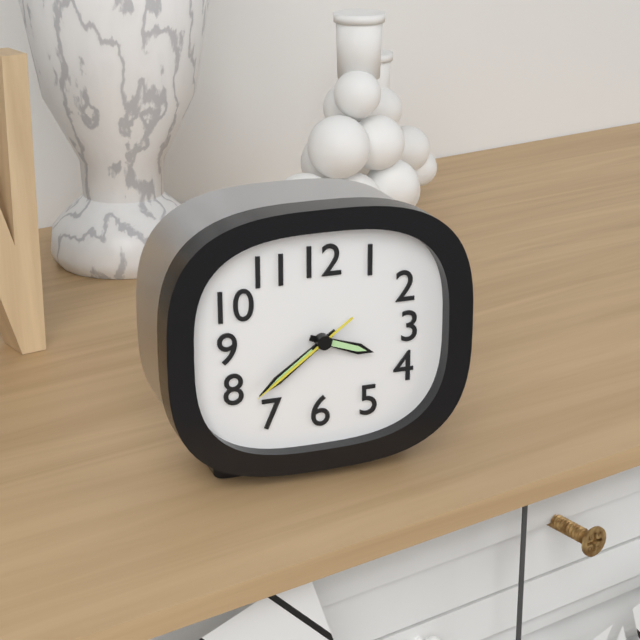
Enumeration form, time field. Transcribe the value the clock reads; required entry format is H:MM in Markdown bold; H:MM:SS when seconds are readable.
**3:39:39**
